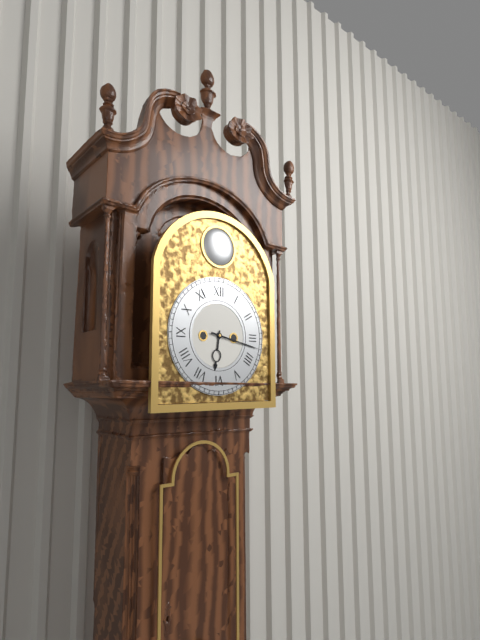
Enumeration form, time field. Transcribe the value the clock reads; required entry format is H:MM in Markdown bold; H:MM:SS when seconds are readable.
**6:17**
